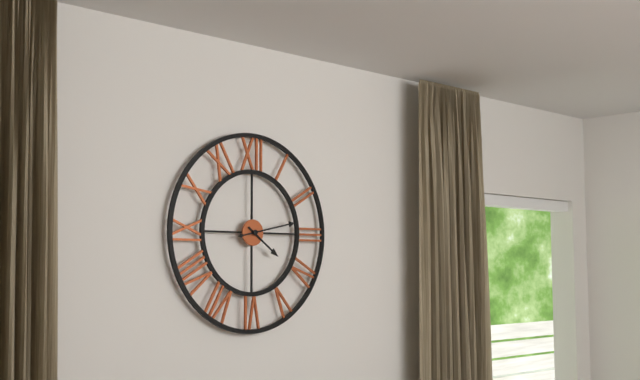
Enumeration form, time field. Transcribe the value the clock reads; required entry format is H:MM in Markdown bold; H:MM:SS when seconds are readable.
**4:13**
